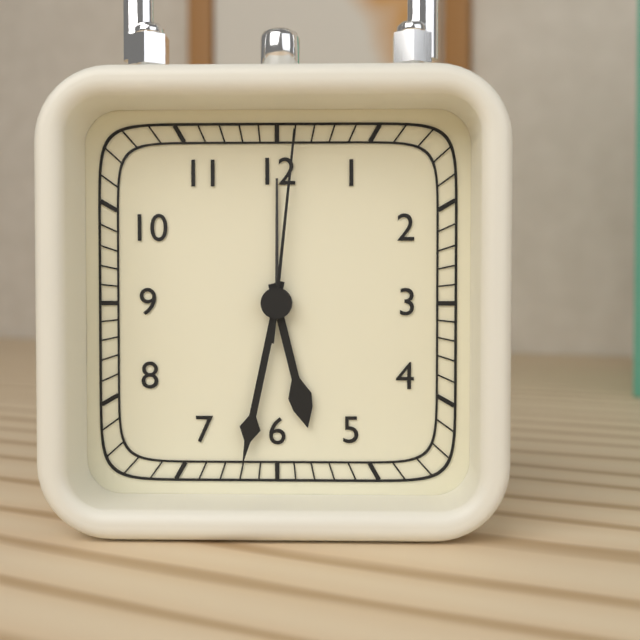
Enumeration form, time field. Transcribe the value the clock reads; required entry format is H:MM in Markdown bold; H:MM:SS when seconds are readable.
**5:32:01**
